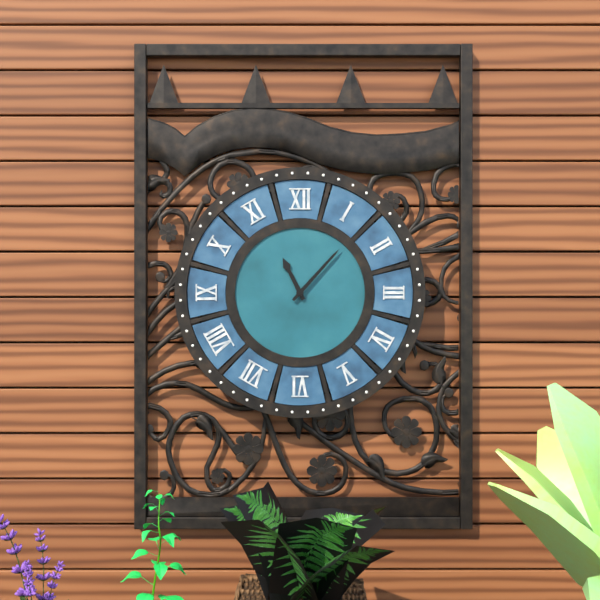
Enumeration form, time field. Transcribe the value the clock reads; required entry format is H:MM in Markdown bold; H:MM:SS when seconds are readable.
**11:07**
